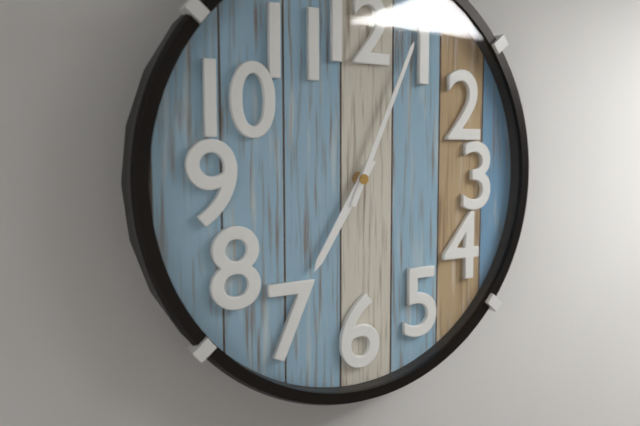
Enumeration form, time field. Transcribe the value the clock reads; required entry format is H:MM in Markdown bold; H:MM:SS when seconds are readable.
**7:04**
